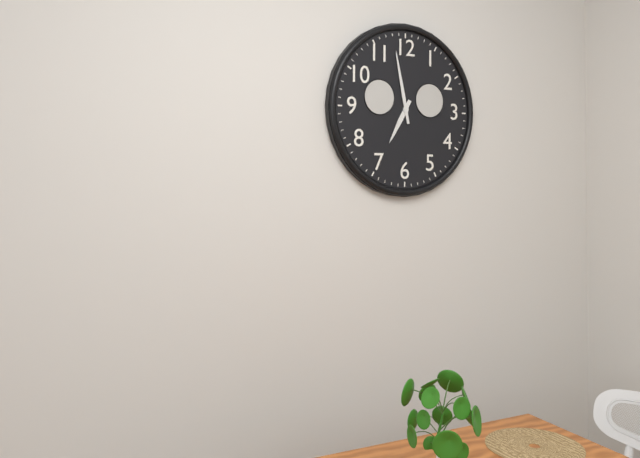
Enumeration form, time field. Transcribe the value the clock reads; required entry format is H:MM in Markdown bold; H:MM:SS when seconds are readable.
**6:58**
